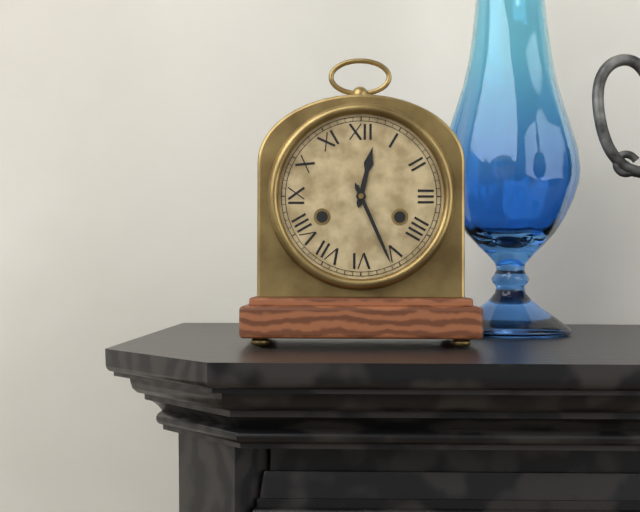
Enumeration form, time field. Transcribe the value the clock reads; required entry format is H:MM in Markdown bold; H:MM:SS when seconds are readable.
**12:26**
